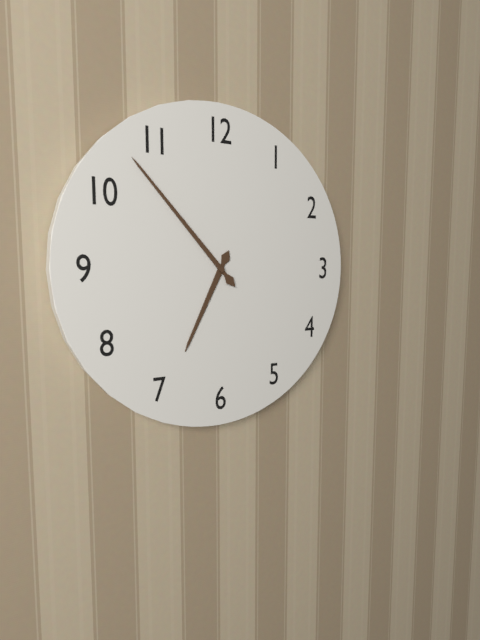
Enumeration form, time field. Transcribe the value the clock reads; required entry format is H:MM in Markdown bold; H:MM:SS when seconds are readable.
**6:53**
